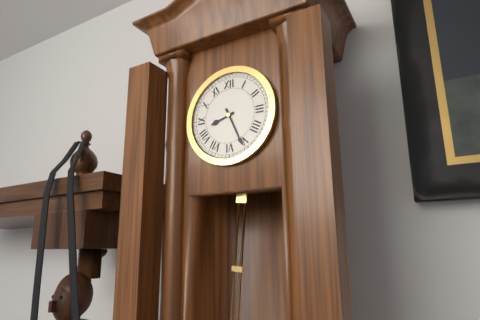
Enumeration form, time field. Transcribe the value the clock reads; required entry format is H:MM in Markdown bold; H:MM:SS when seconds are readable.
**8:26**
